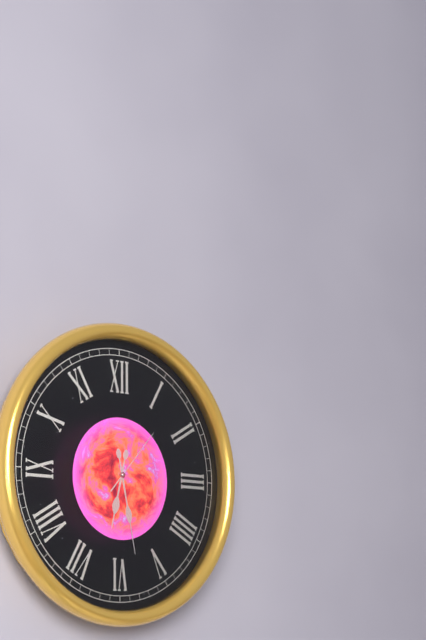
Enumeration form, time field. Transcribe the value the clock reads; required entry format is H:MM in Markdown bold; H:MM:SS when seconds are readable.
**6:28:07**
